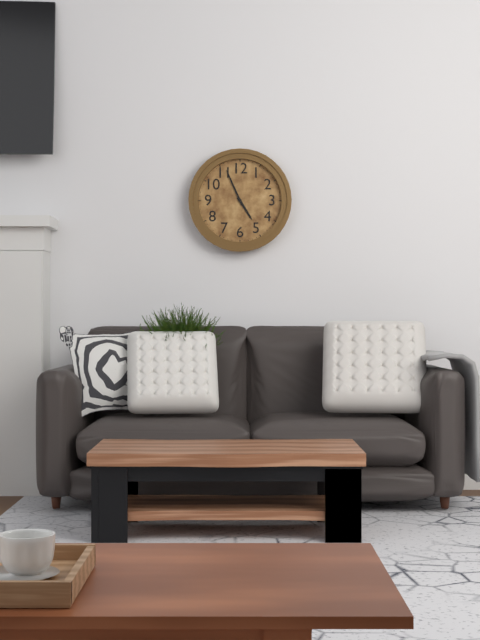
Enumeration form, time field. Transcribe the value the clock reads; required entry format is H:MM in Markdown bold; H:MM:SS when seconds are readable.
**4:56**
